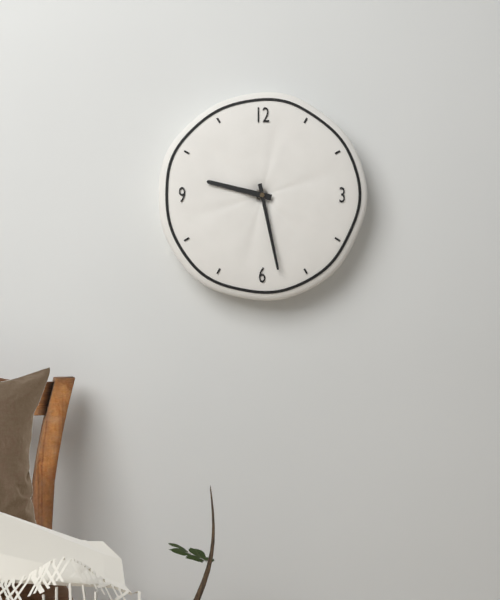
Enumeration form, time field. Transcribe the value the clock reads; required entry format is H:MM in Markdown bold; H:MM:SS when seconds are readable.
**9:28**
